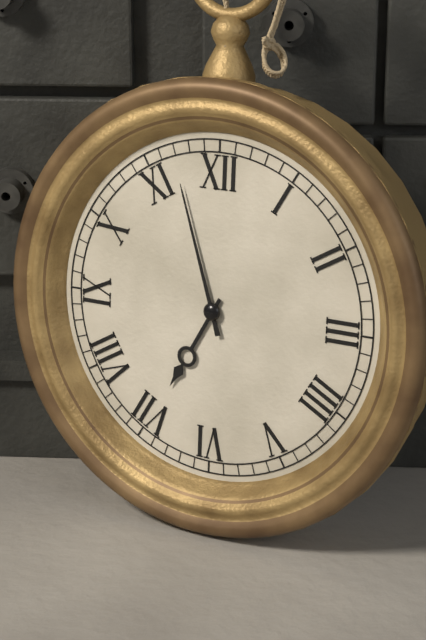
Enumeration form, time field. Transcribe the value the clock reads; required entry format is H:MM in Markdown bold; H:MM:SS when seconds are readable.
**6:57**
